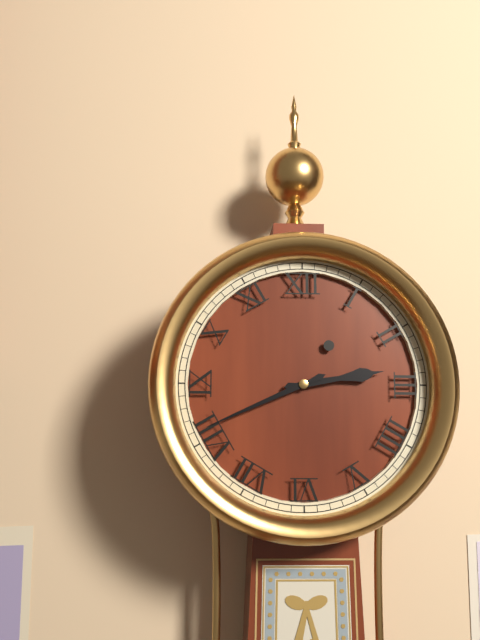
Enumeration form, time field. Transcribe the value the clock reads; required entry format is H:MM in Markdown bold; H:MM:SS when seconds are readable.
**2:41**
